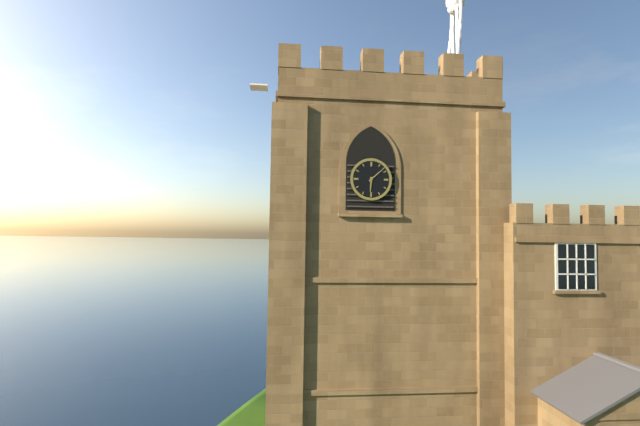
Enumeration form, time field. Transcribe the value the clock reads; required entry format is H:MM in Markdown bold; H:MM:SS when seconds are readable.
**6:08**
